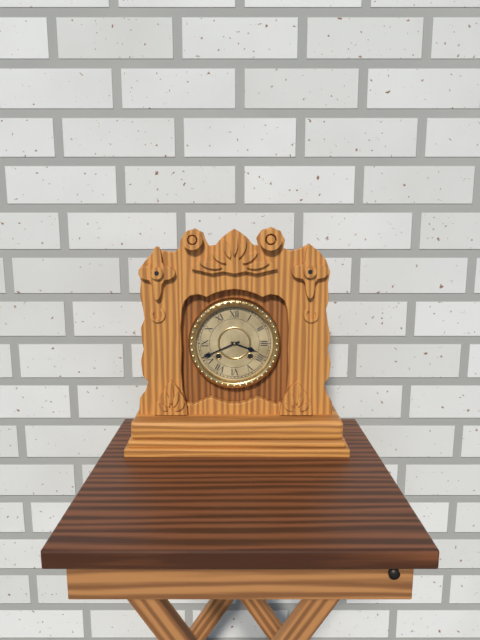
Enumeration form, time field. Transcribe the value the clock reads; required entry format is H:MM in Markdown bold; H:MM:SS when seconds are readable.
**3:41**
